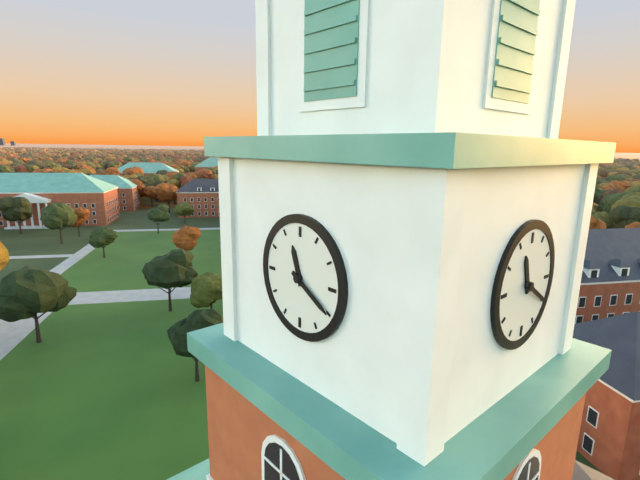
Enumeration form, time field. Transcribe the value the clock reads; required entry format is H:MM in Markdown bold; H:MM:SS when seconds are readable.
**11:20**
